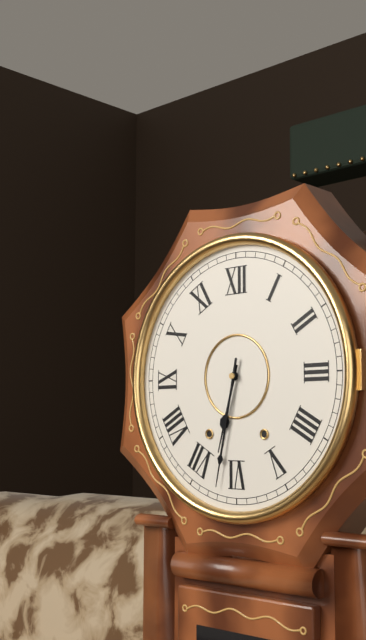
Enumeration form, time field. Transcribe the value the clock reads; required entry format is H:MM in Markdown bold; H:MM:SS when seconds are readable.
**6:32**
